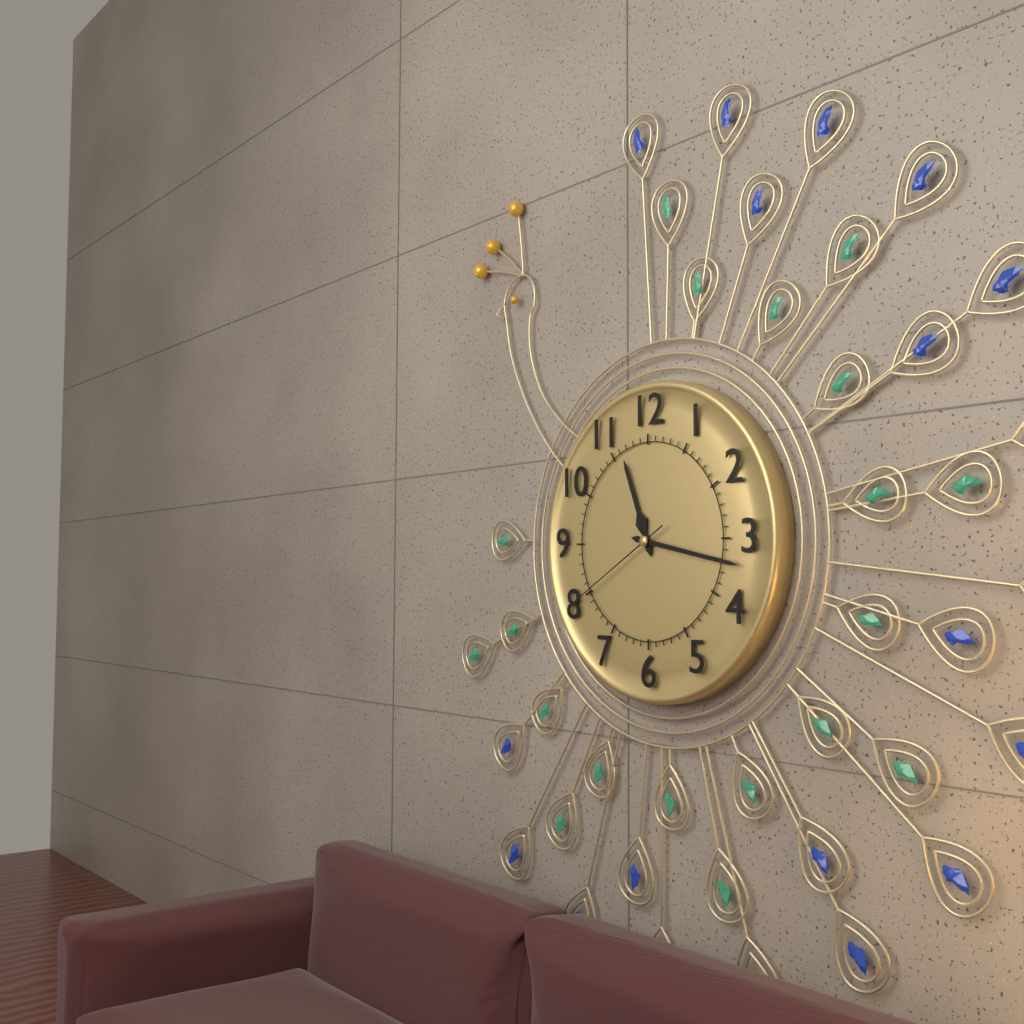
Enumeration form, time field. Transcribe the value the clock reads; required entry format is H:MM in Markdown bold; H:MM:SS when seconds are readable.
**11:17:40**
